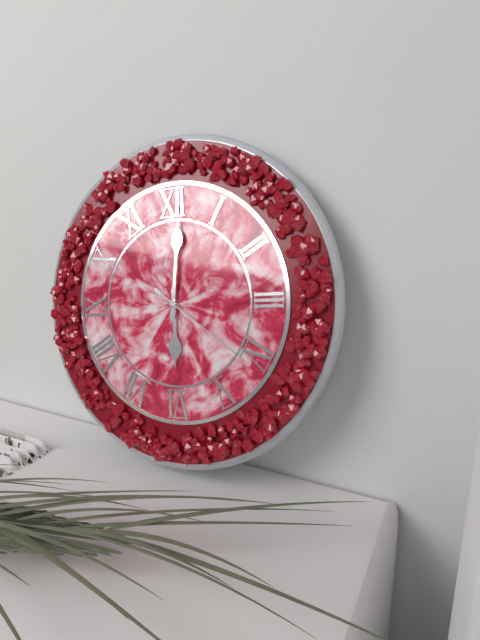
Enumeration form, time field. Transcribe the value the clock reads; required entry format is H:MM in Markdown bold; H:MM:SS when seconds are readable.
**6:01:21**
